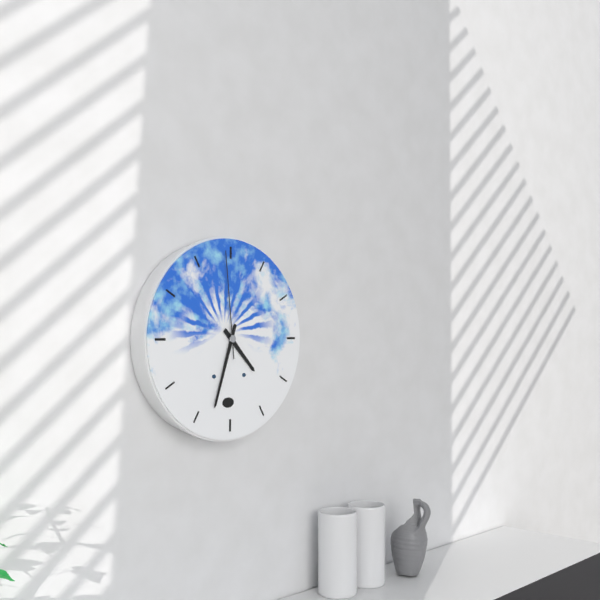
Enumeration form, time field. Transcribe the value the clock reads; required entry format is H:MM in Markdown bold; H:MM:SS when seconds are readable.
**4:33:59**
